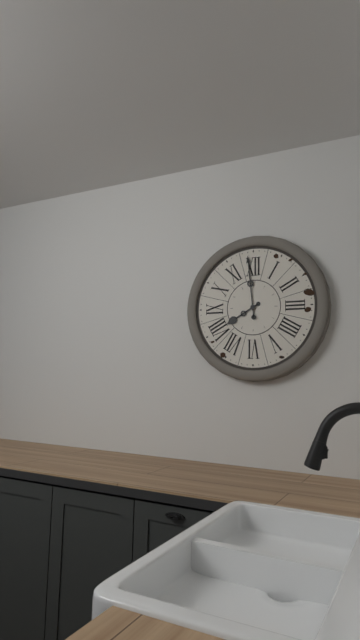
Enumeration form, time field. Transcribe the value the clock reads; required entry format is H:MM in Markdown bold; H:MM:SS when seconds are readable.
**7:59**
